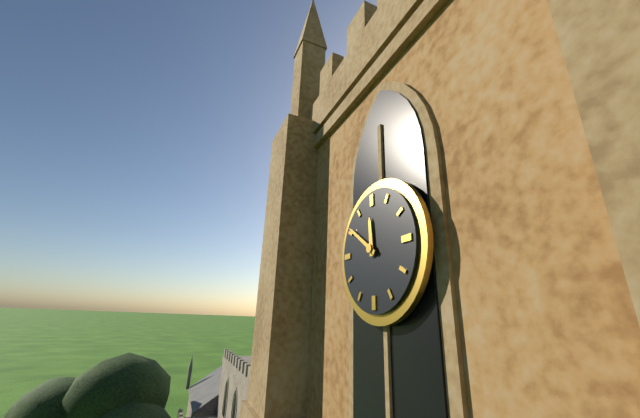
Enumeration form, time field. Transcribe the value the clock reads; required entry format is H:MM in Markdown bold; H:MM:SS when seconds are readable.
**11:51**
